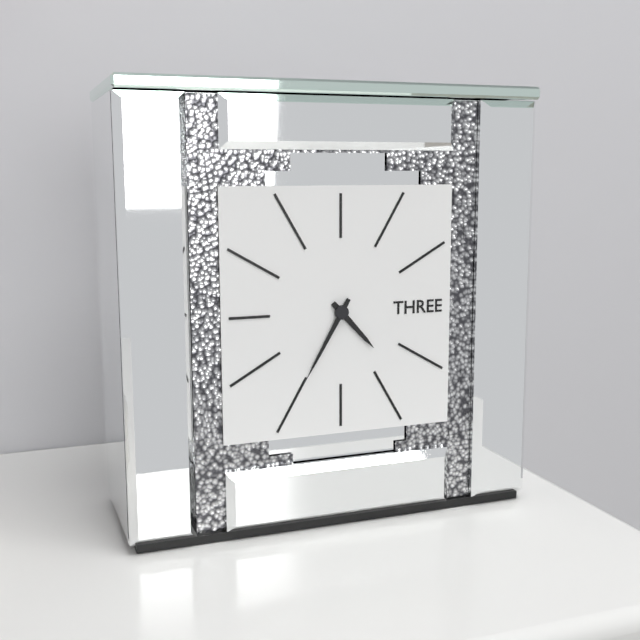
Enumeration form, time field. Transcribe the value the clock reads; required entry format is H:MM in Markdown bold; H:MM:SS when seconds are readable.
**4:35**
